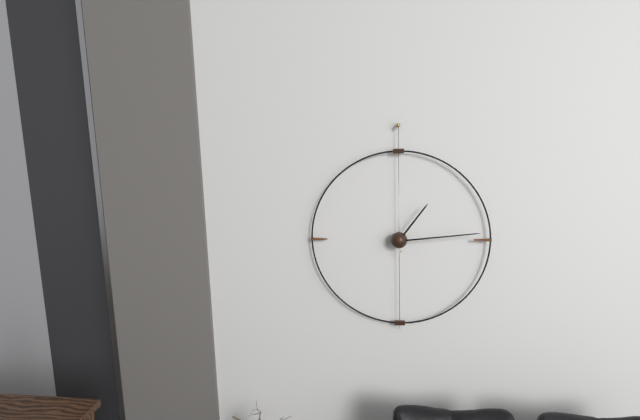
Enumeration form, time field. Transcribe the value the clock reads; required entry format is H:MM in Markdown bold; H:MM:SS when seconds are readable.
**1:14**
